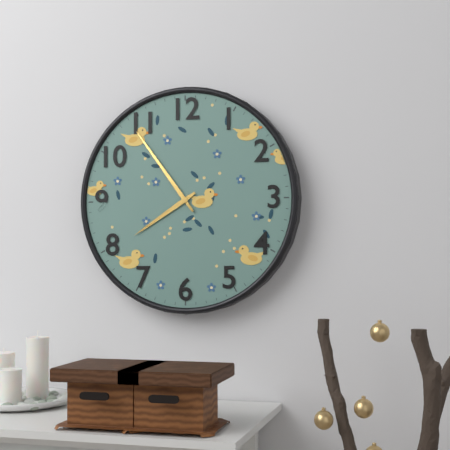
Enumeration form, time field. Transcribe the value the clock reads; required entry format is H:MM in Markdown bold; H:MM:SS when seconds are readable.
**7:54**
